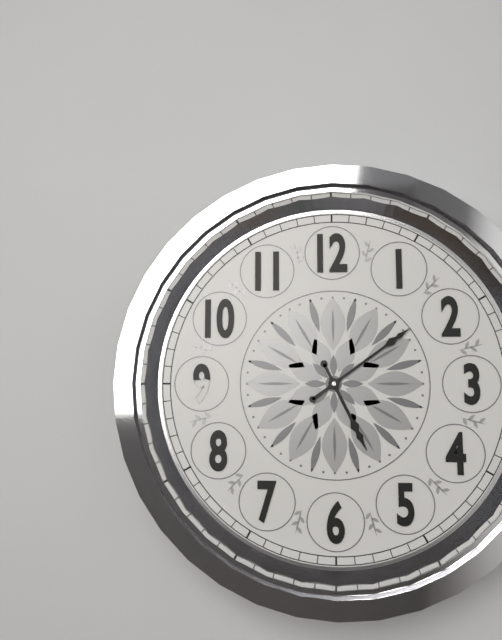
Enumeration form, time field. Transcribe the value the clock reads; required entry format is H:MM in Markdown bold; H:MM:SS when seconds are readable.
**5:09**
